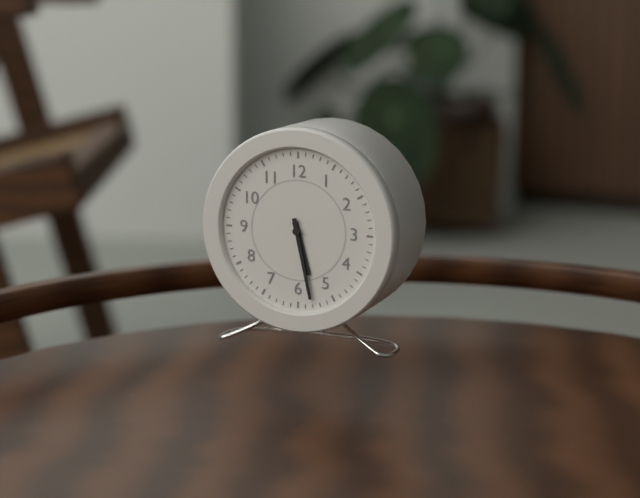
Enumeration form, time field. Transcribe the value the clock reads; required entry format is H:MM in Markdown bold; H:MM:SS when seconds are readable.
**5:28**
